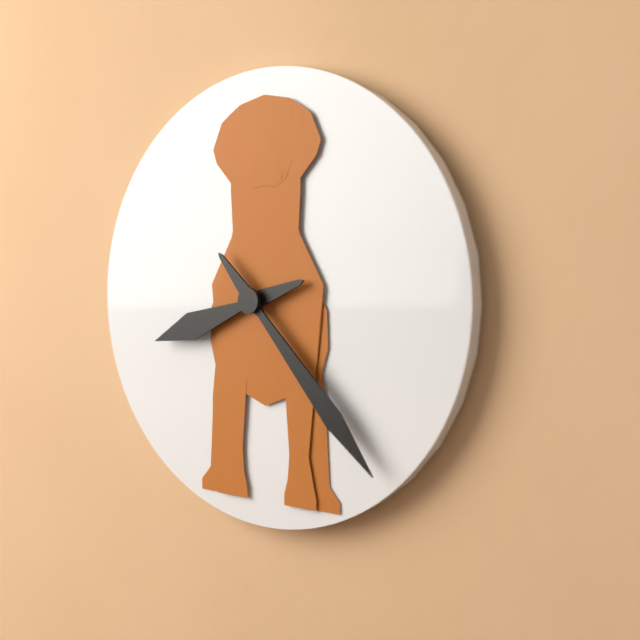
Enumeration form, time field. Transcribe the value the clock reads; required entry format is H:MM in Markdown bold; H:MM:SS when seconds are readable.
**8:23**
